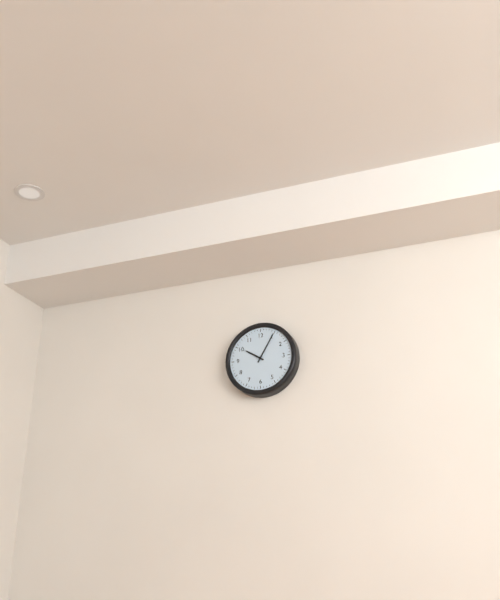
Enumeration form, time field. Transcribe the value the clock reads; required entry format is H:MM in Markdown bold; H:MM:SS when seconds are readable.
**10:05**
